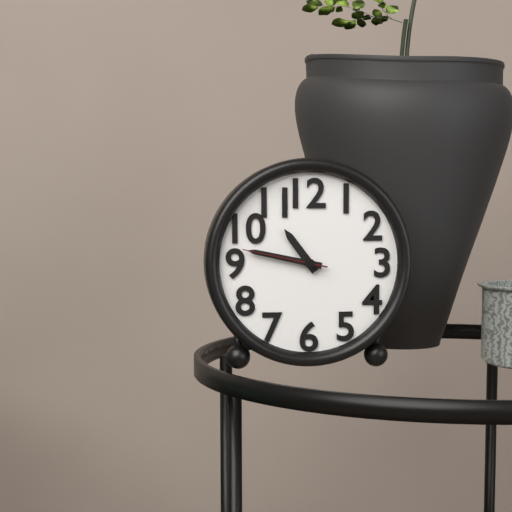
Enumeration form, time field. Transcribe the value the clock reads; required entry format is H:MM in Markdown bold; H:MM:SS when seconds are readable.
**10:47:47**
